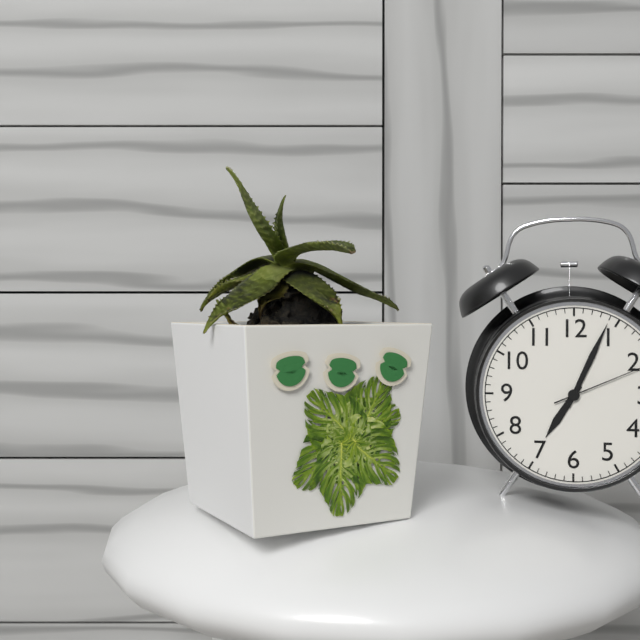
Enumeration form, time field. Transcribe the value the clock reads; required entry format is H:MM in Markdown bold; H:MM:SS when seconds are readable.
**7:04**
